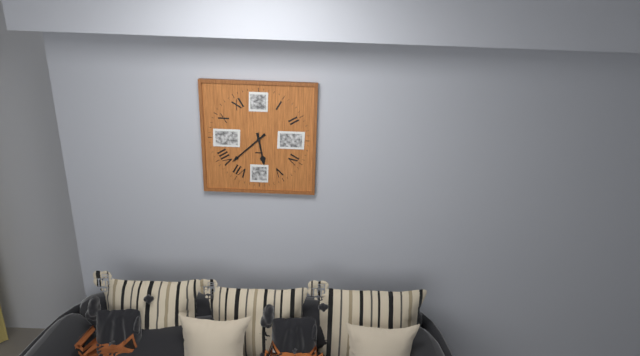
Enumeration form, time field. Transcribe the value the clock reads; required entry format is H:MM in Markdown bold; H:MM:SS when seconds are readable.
**5:38**
